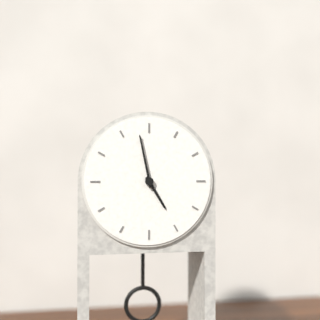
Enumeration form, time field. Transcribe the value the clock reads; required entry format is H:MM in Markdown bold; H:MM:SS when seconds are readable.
**4:58**
